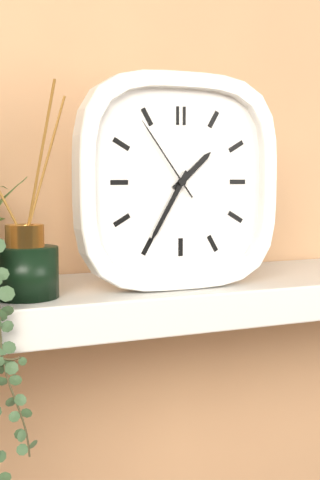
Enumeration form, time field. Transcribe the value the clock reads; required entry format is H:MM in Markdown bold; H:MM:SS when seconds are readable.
**1:35:54**
